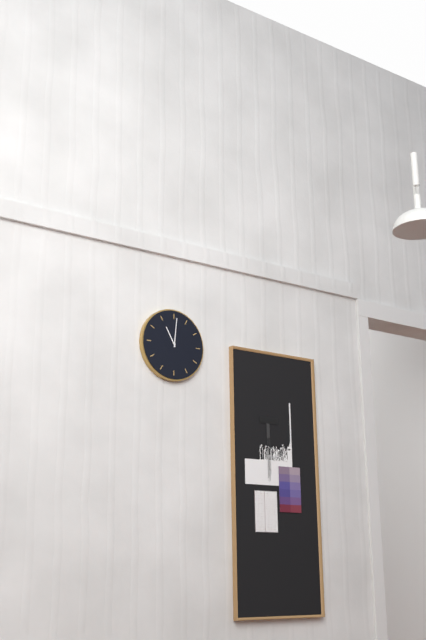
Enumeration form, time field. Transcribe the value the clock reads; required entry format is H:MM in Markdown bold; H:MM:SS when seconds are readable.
**11:01**
